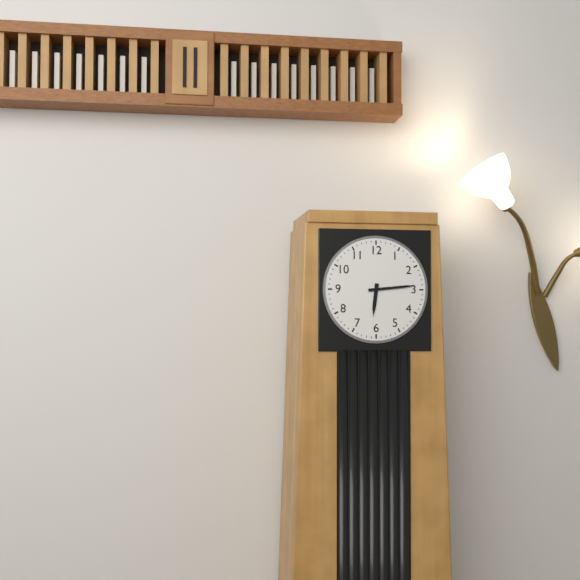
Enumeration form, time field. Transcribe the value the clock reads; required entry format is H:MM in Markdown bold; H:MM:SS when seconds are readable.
**6:14**
